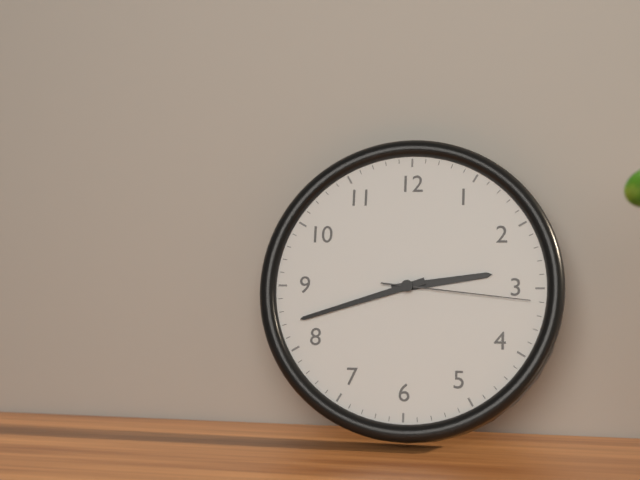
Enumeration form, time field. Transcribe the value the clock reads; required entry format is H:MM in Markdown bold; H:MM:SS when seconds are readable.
**2:42:16**
